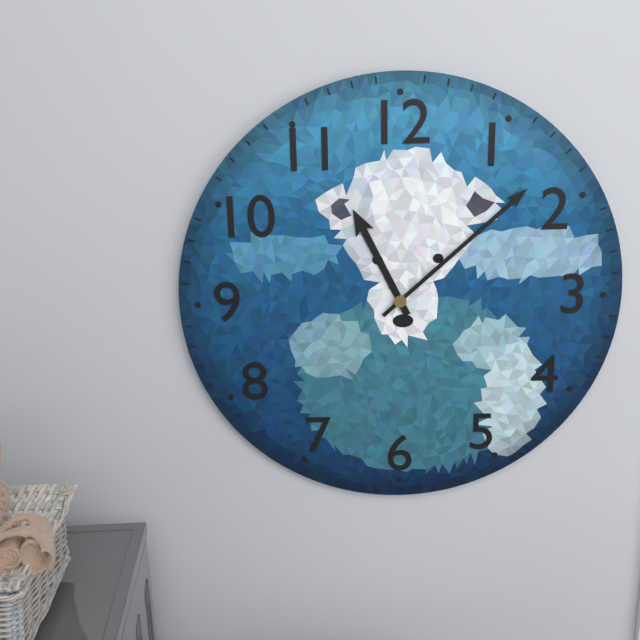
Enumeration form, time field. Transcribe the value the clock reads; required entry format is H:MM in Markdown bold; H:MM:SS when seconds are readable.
**11:08**
